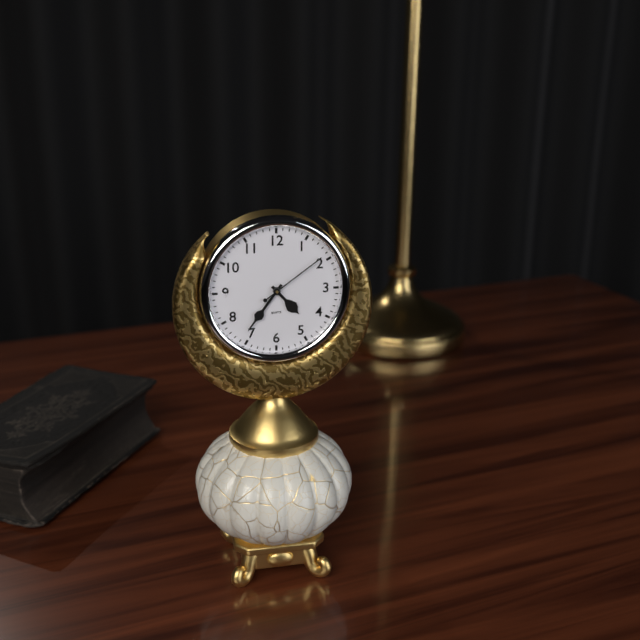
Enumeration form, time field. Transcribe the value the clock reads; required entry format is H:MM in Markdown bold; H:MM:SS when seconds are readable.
**4:36:09**
